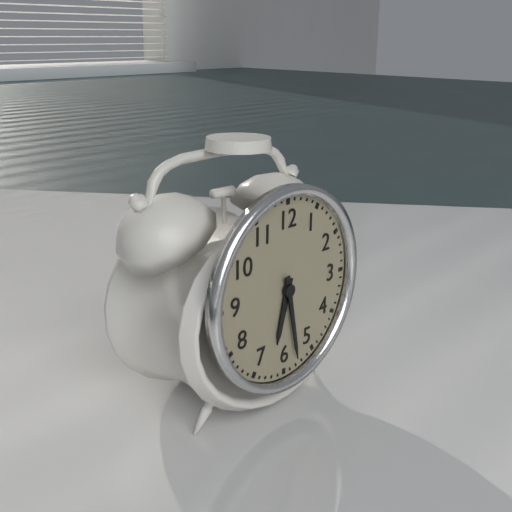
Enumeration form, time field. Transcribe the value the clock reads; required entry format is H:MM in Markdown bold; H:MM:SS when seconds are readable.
**6:28**
